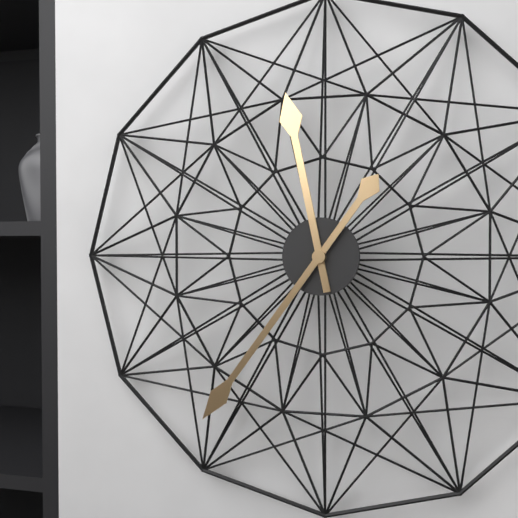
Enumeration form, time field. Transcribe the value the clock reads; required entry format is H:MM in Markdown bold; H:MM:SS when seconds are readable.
**11:36**
